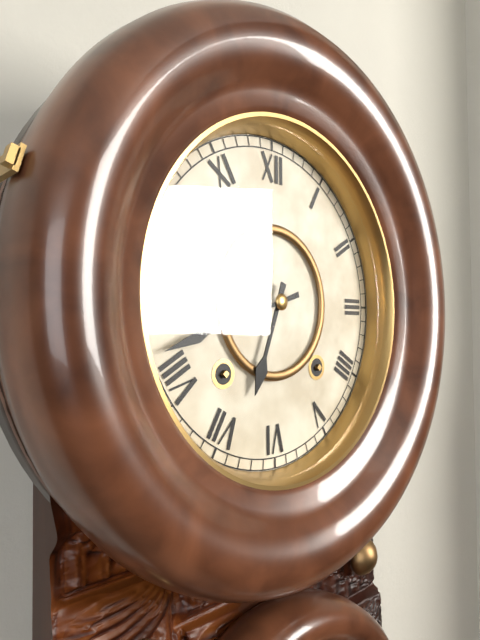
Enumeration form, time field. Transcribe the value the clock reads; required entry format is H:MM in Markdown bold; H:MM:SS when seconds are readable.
**6:42**
